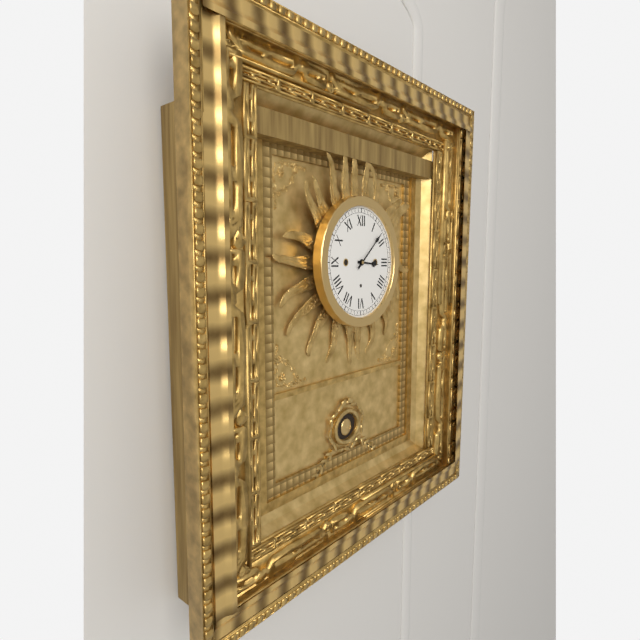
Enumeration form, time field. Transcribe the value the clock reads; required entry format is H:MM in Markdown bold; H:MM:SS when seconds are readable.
**3:08**
